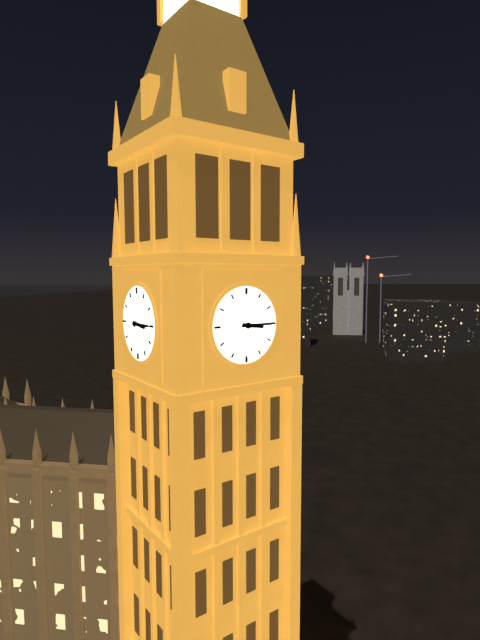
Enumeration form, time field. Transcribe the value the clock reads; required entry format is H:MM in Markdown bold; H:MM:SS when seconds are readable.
**3:15**
